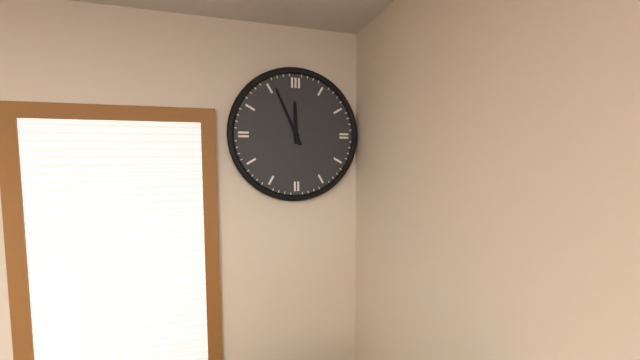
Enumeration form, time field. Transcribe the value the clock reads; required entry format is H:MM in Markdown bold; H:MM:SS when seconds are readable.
**11:56**
